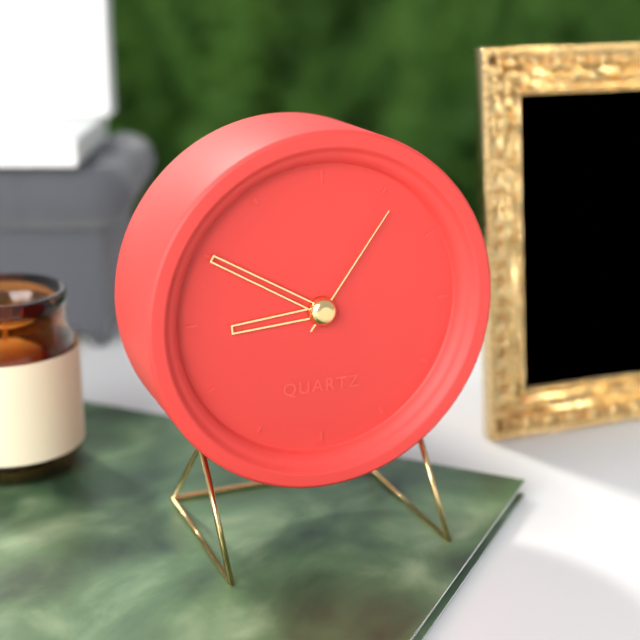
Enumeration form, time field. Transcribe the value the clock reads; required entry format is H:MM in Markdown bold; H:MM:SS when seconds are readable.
**8:50:06**
